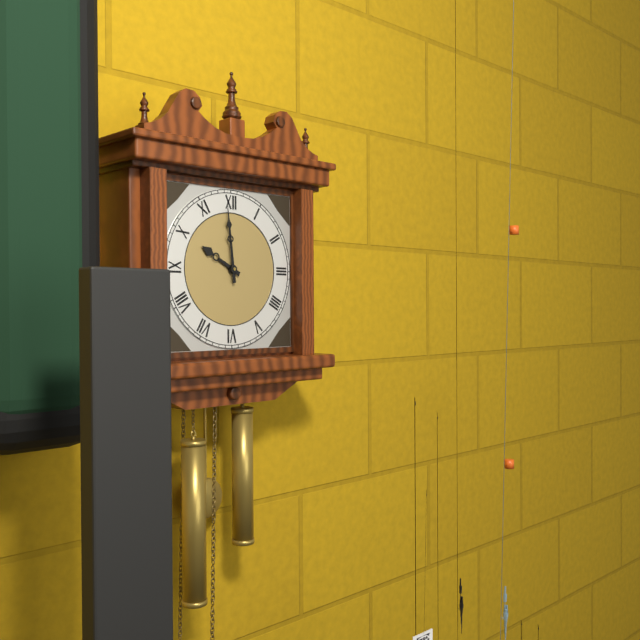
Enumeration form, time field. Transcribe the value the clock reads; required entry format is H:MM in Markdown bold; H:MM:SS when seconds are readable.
**9:59**
